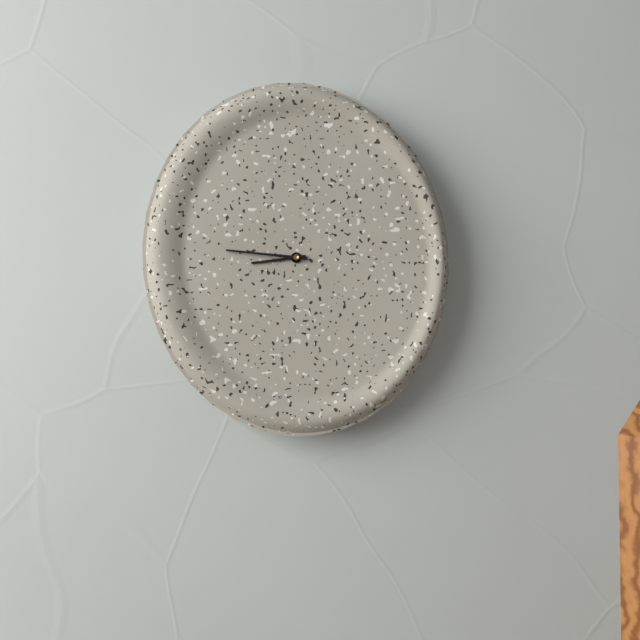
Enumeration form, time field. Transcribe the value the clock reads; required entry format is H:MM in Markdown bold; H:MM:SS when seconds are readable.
**8:46**
